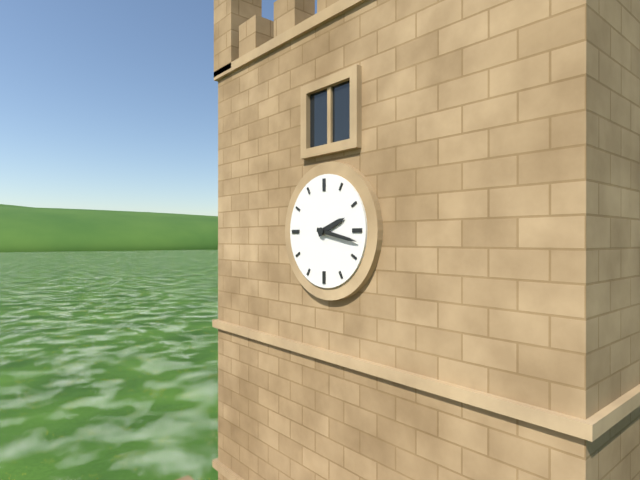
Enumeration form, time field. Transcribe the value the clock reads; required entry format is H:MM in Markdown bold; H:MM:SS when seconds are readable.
**2:17**
